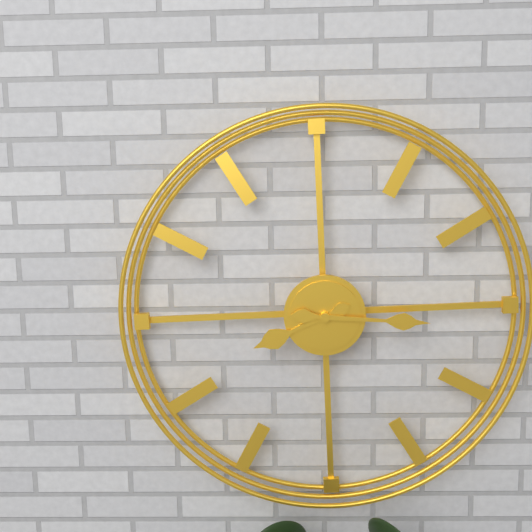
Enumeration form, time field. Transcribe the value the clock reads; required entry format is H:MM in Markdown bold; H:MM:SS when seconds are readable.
**8:16**
